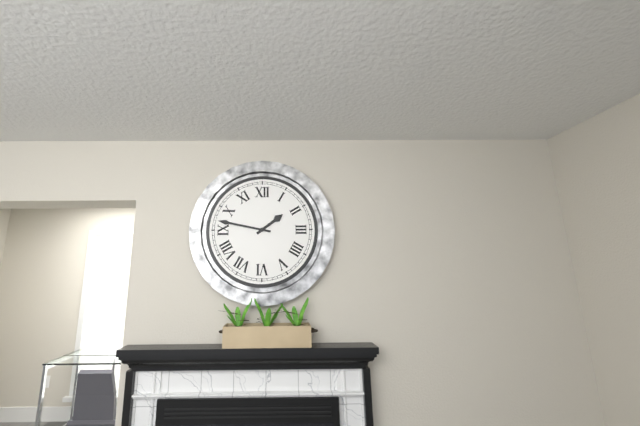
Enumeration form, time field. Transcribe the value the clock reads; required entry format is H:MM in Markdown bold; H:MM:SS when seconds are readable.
**1:47**
